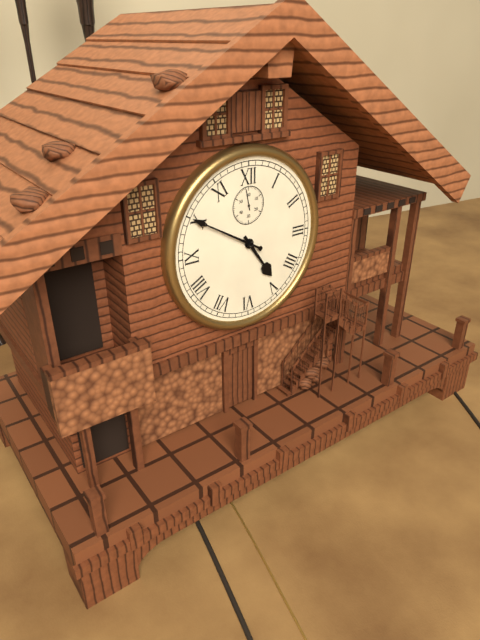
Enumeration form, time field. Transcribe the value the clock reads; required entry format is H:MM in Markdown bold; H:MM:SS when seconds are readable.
**4:50**
